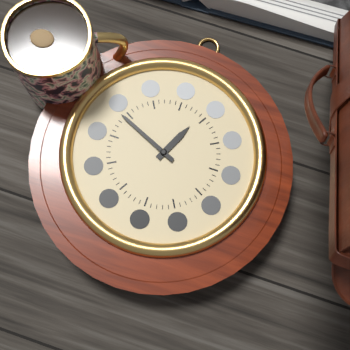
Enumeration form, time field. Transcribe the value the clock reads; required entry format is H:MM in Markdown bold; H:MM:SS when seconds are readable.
**12:49**
